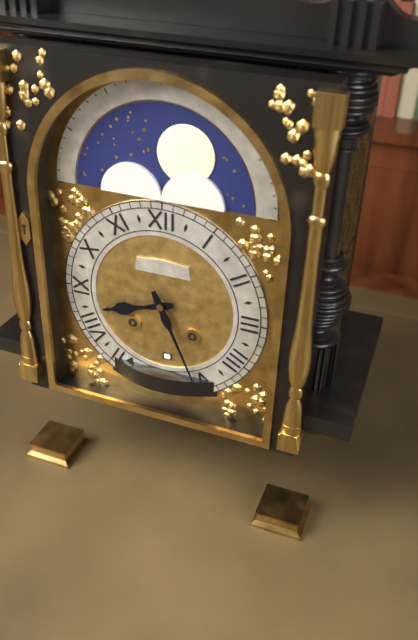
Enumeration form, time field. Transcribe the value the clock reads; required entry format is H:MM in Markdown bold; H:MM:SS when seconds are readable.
**8:26**
